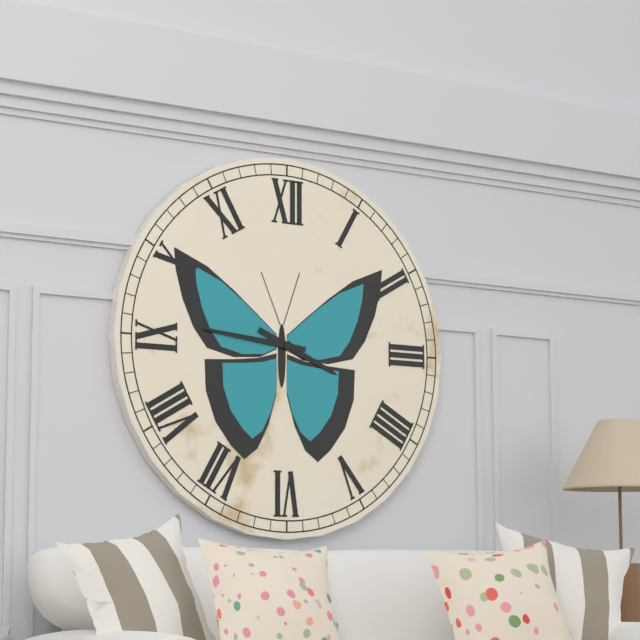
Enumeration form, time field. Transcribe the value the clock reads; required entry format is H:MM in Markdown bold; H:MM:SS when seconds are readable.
**3:46**
